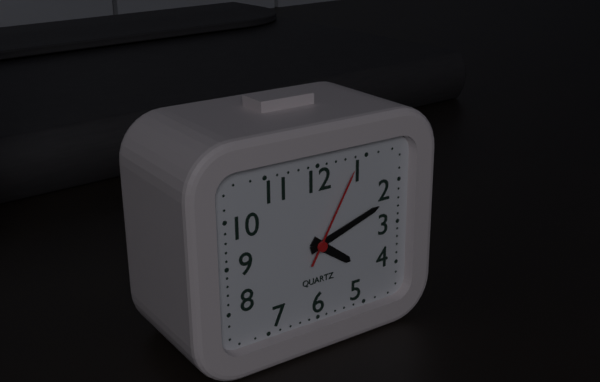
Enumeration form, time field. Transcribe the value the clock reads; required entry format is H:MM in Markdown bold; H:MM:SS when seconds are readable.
**4:12:05**
